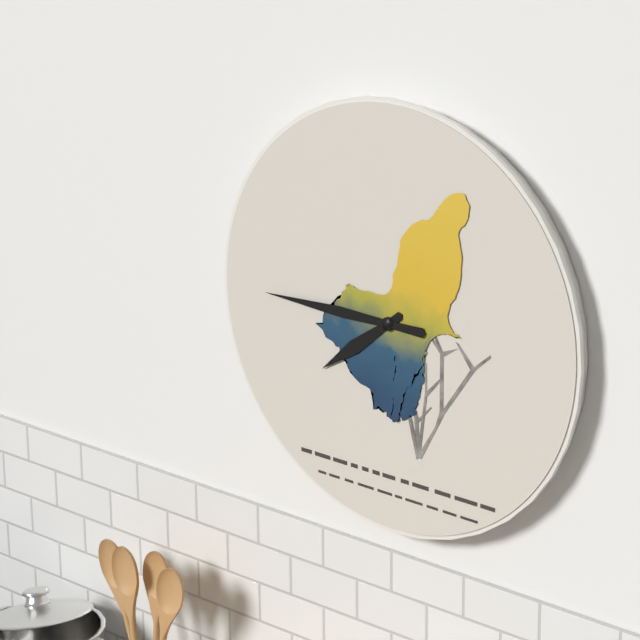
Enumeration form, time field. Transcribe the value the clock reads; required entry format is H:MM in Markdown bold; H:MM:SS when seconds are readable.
**7:45**
